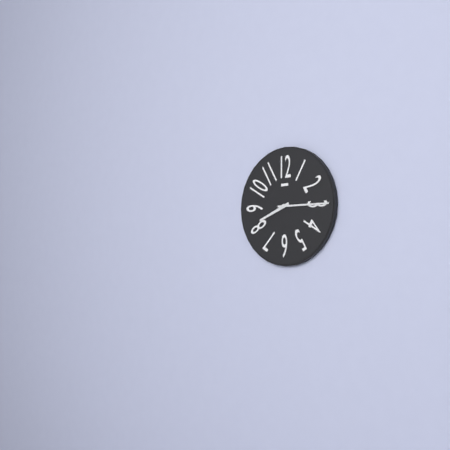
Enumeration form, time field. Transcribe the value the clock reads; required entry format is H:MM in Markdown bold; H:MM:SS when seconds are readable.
**8:15**
